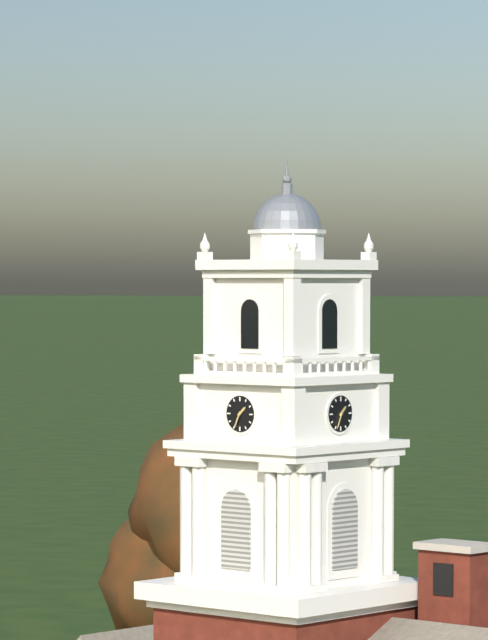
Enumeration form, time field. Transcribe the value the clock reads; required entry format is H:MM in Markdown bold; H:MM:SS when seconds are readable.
**1:34**
